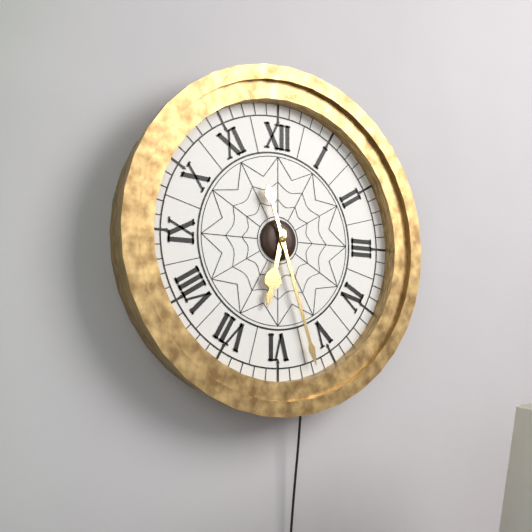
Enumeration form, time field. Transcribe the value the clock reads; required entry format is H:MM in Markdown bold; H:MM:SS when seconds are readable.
**6:27**
